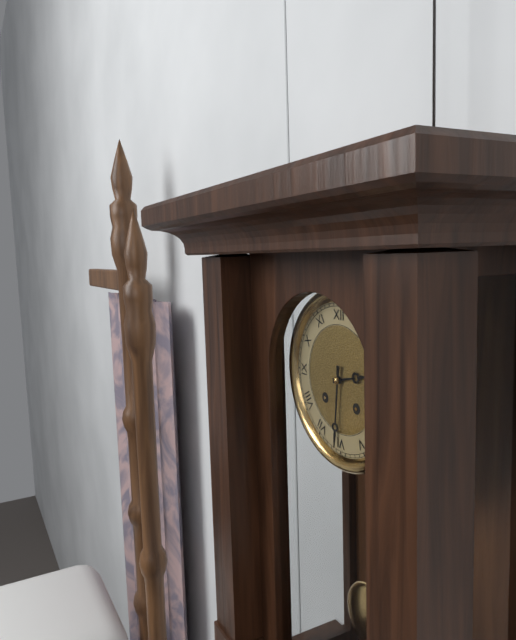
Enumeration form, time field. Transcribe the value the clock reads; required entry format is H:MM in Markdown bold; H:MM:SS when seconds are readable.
**2:31**
